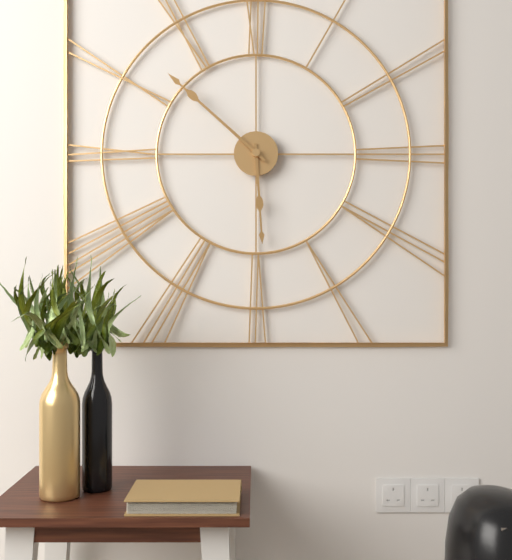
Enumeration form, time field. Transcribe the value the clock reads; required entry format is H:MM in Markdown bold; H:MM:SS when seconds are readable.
**5:52**
